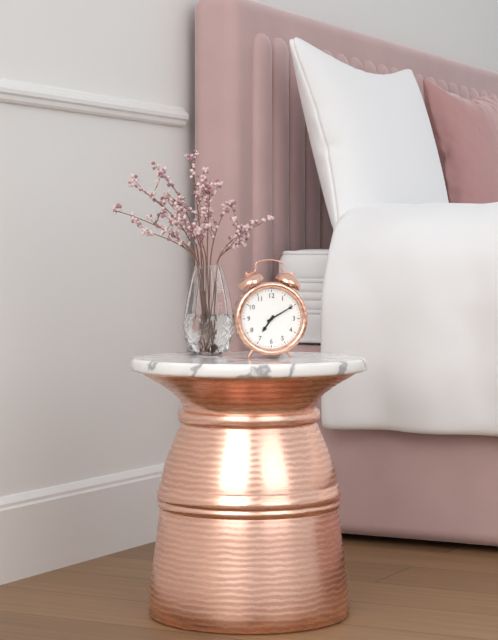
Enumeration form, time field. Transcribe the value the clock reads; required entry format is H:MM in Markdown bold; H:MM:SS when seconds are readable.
**7:10**
